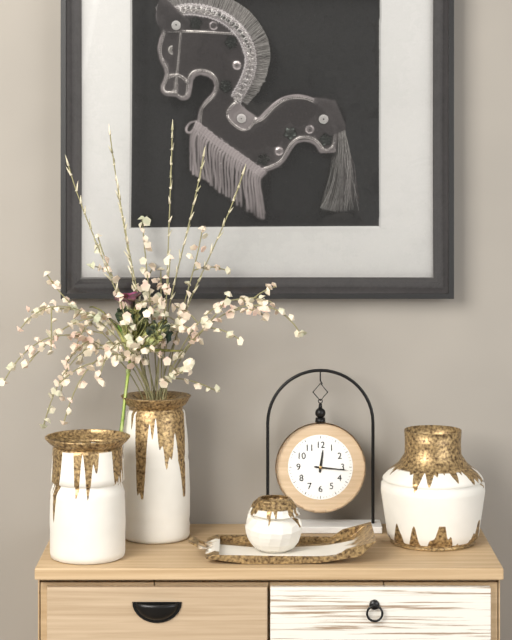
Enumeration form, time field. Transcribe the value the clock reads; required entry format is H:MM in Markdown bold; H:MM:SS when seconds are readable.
**12:16**
